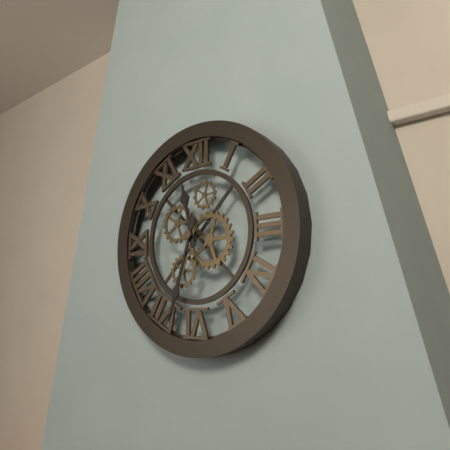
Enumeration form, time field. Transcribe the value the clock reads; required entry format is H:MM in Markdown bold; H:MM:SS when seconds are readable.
**11:33**
